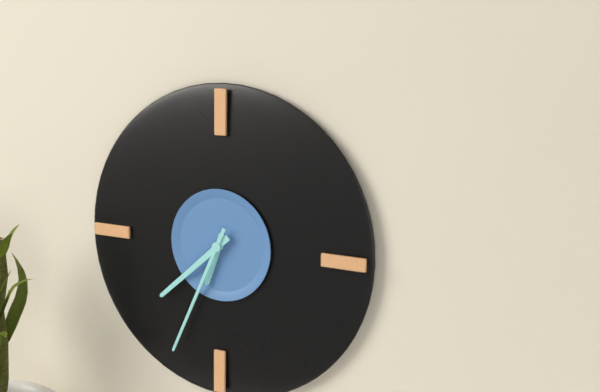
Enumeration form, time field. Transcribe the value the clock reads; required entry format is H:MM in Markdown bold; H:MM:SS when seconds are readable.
**6:38:34**
